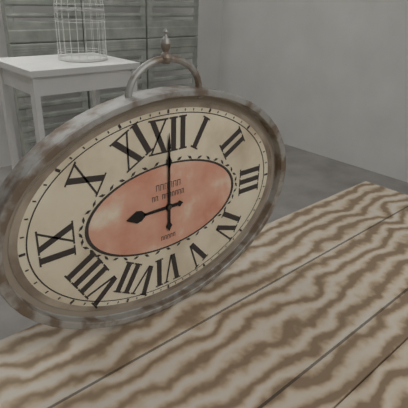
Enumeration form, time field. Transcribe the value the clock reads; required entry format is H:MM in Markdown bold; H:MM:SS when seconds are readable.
**9:00**
